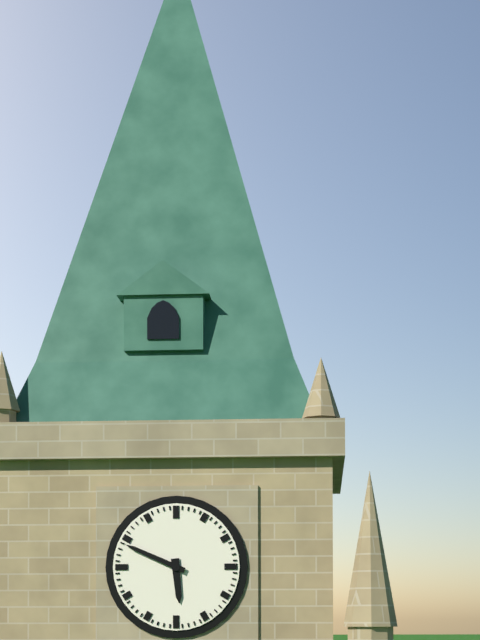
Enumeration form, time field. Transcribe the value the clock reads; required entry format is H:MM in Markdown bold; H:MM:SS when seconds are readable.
**5:49**
